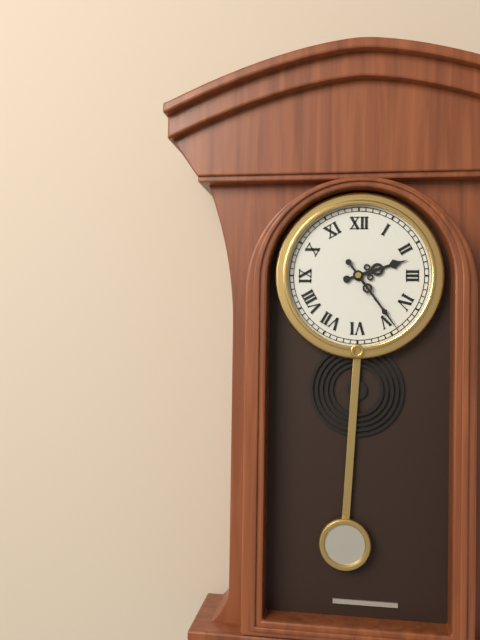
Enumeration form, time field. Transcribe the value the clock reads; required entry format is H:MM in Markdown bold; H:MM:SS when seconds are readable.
**2:24**
